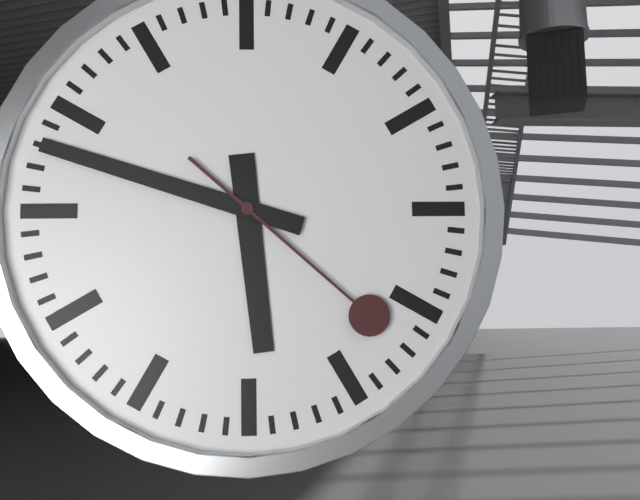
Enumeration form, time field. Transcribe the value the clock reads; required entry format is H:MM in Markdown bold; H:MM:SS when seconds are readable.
**5:48:22**
